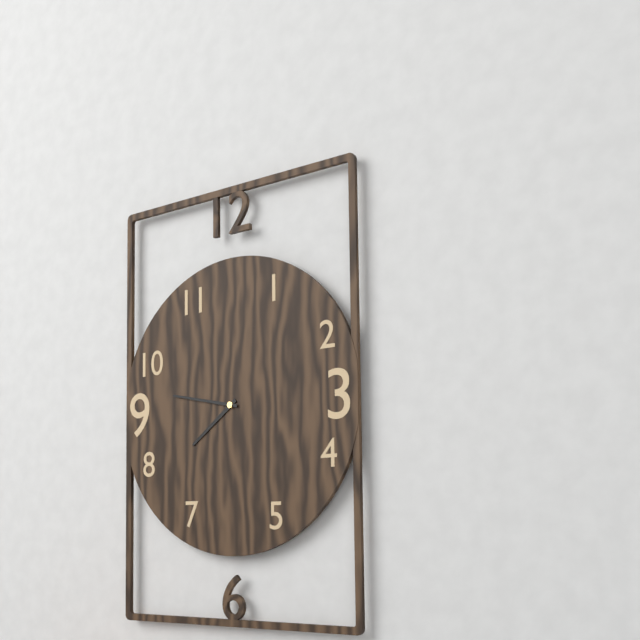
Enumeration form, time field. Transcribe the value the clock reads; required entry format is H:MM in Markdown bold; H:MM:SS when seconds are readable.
**7:47**
